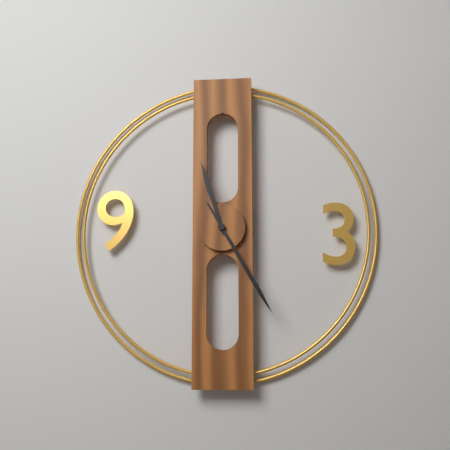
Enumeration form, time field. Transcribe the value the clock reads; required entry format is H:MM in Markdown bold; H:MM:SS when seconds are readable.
**11:25**
